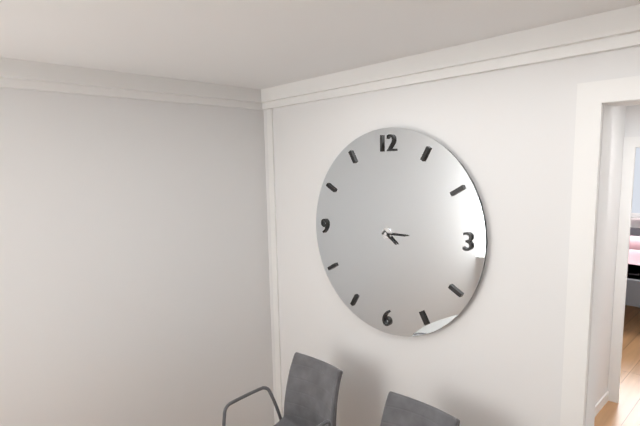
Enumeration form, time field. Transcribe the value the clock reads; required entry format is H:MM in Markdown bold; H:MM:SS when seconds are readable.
**4:15**
